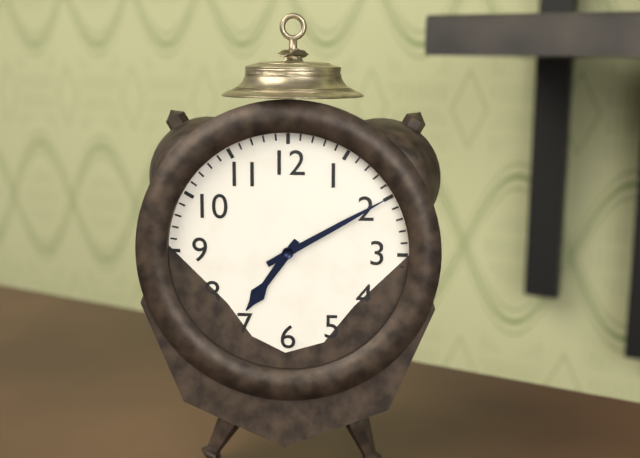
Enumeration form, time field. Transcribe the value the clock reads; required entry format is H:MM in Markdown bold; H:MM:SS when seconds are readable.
**7:10**
